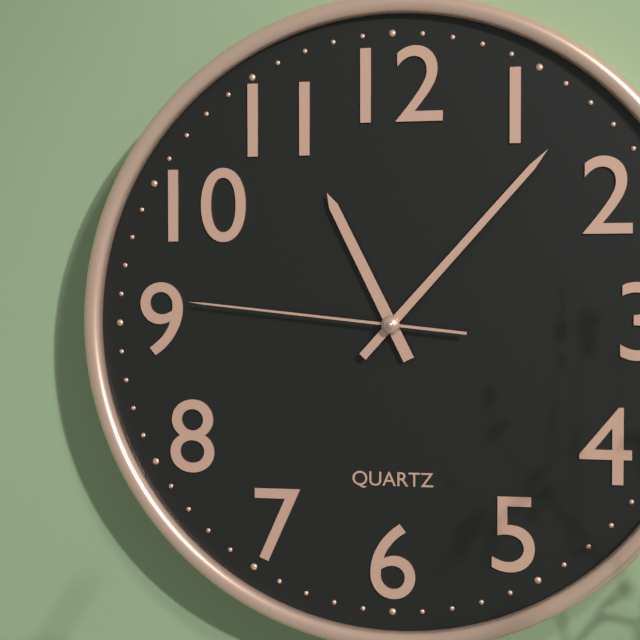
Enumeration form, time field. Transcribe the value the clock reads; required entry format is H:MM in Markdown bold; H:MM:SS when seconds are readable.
**11:07:46**
